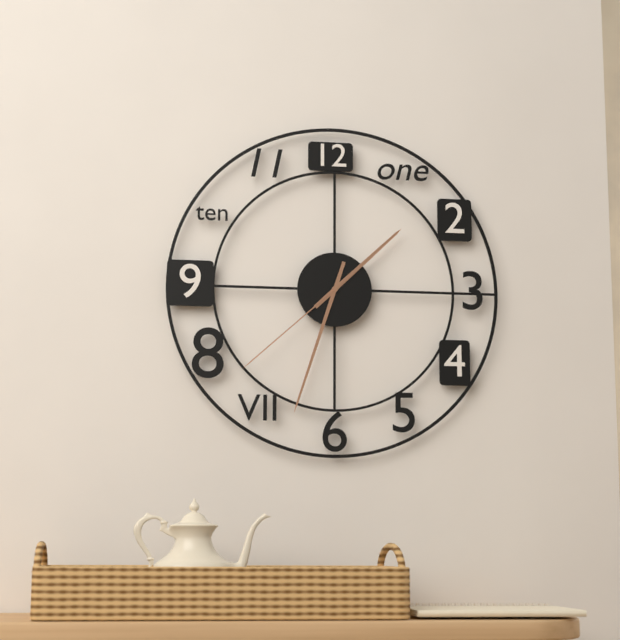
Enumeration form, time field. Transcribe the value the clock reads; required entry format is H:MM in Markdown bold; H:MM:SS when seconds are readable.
**1:33:38**
